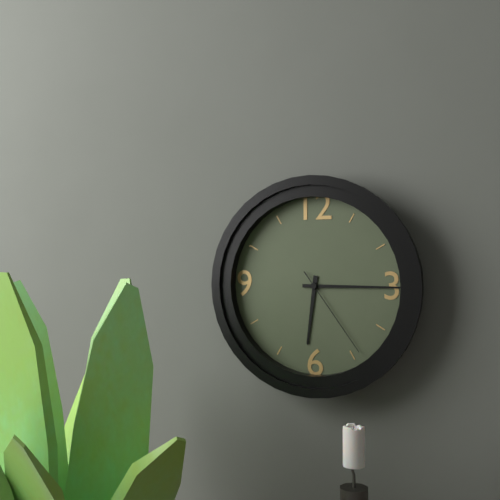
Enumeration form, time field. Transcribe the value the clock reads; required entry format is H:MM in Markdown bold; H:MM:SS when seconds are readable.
**6:15:24**
